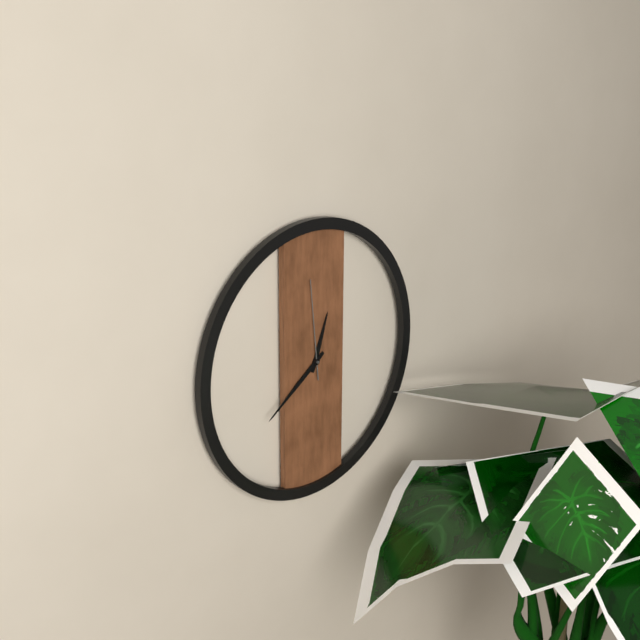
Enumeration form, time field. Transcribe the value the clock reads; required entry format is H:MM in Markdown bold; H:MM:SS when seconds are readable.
**12:39:59**
